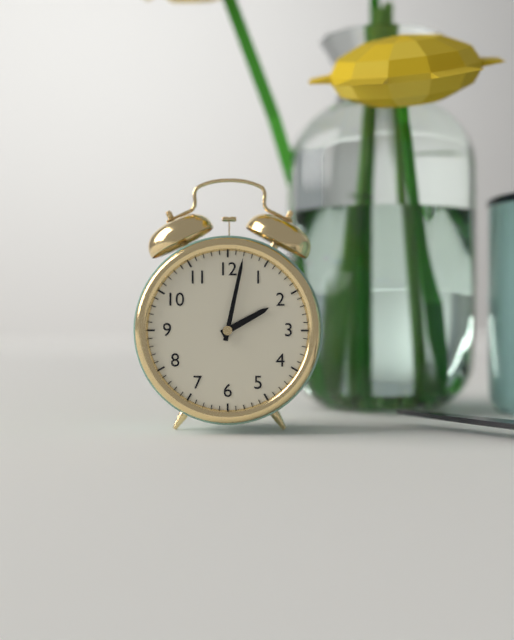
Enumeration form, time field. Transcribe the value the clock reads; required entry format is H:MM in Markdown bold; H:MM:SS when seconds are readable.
**2:02**
